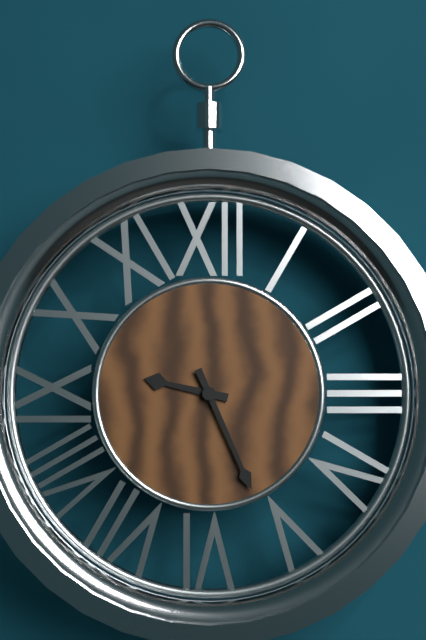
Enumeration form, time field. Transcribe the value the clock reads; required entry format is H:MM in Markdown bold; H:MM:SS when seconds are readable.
**9:26**
